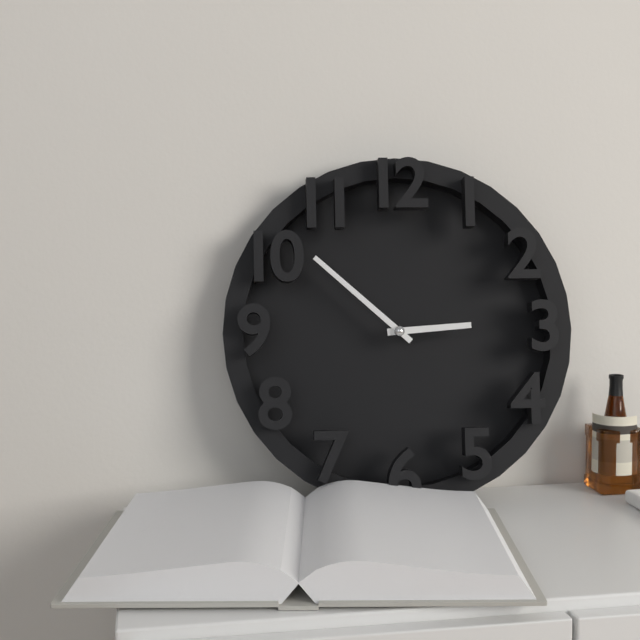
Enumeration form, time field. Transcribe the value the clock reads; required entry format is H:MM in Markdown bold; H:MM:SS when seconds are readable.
**2:52**
